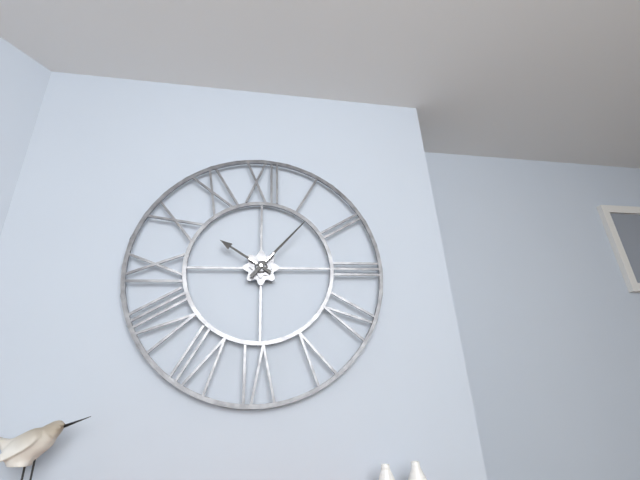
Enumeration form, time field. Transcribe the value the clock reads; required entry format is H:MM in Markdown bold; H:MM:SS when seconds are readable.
**10:07**
